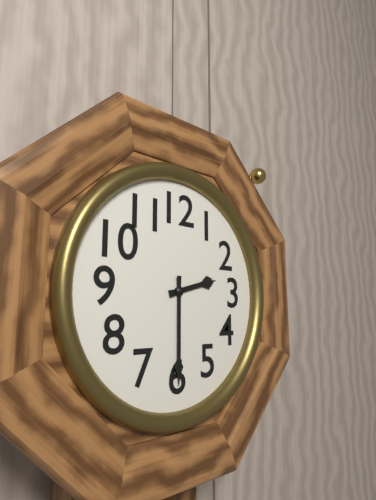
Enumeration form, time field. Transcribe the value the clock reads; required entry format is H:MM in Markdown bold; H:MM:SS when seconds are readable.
**2:30**
